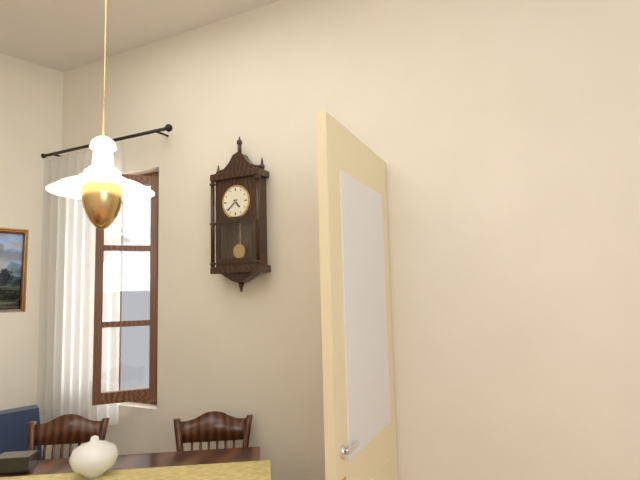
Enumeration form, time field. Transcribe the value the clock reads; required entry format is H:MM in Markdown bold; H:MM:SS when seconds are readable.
**4:38**
